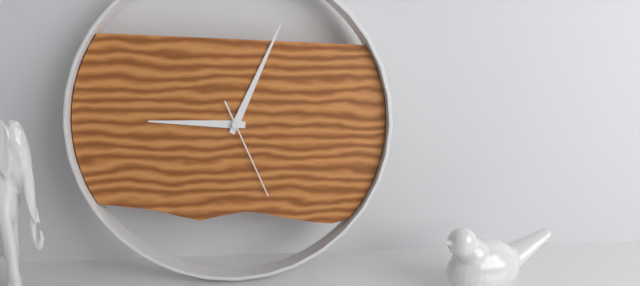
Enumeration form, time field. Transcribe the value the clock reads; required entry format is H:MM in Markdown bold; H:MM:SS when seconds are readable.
**9:04:26**
